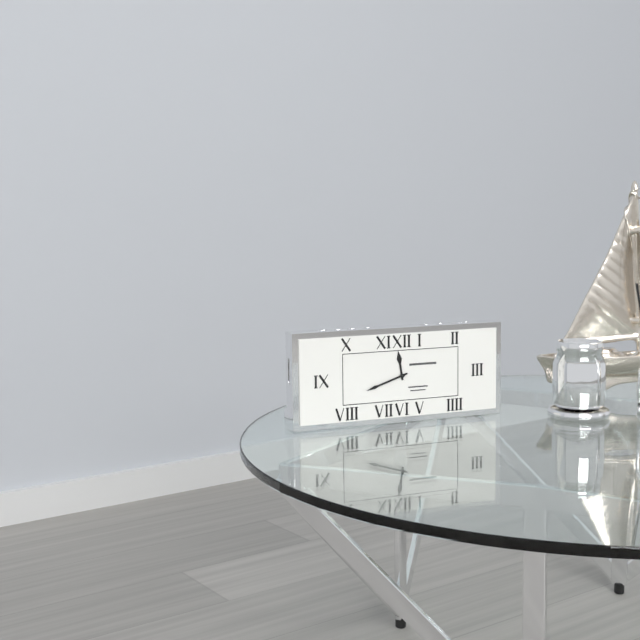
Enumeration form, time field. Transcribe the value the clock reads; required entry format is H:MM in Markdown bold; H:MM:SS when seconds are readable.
**11:42**
